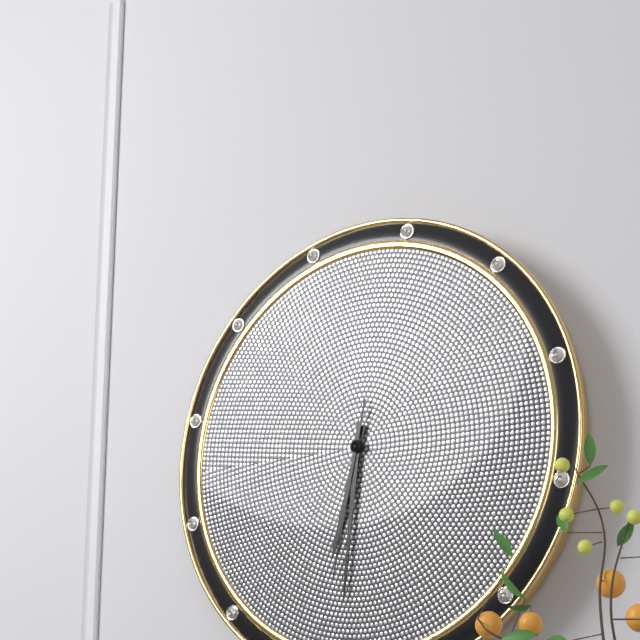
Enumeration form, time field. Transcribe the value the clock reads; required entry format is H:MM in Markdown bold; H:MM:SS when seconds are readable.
**6:31:32**
